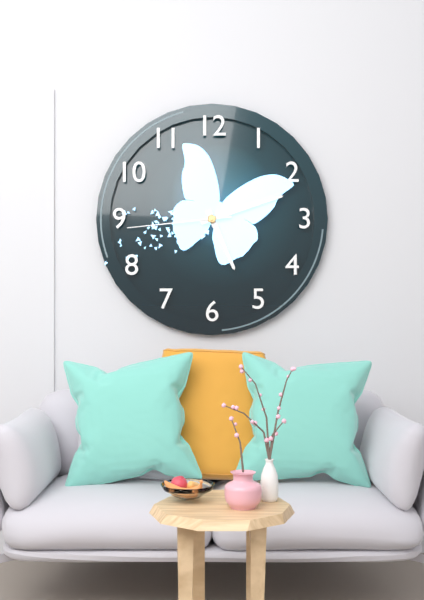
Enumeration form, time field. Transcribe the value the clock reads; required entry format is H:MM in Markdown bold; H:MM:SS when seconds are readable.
**5:12:44**
